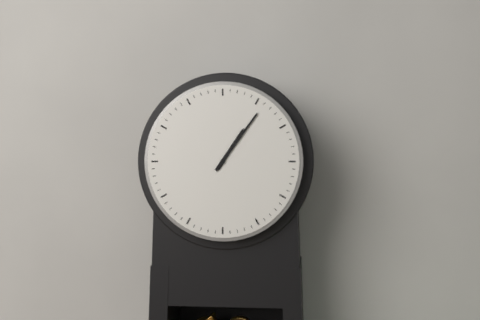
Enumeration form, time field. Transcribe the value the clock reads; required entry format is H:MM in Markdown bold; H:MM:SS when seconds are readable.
**1:06**
